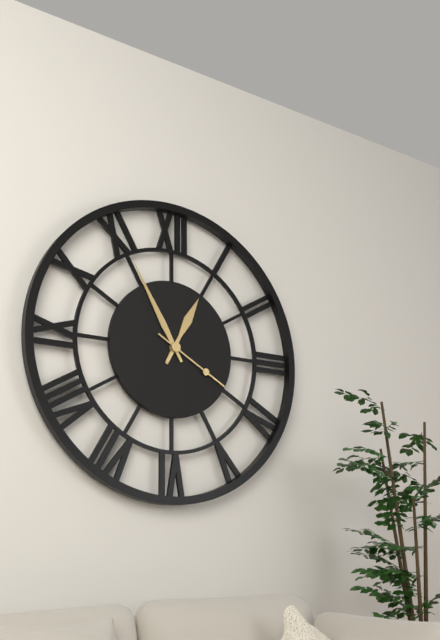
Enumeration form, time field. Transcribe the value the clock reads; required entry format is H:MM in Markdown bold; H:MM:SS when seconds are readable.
**12:55:20**
